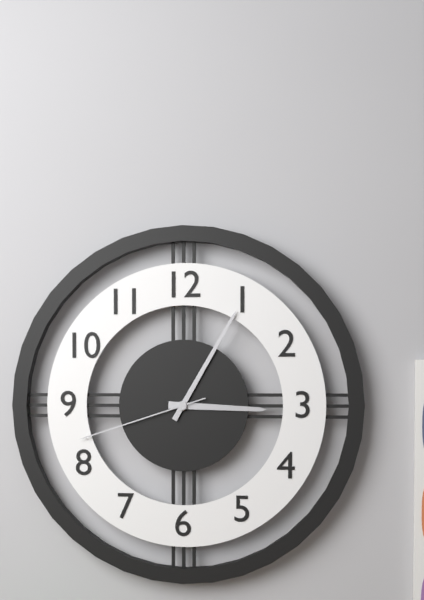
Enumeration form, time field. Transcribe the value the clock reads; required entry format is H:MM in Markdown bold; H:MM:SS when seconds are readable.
**3:05:42**
